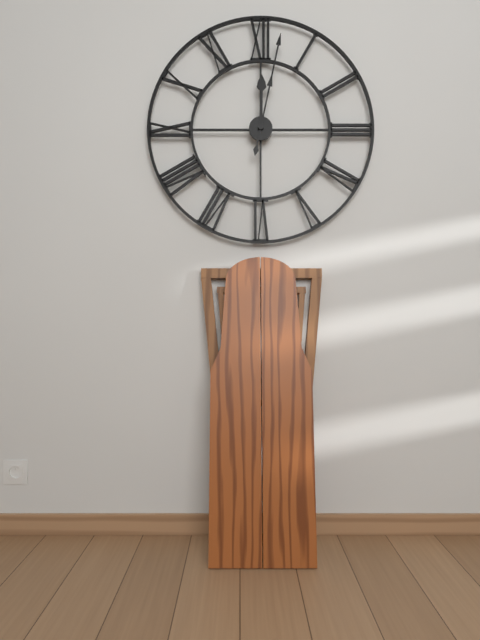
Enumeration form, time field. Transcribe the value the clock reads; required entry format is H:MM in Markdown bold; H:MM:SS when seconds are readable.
**12:02**
